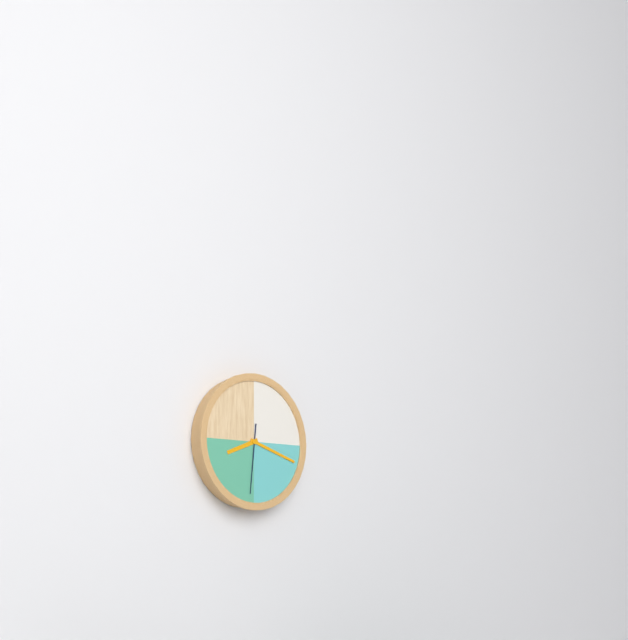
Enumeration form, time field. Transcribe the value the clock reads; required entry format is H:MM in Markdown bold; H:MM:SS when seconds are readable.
**8:18:31**
